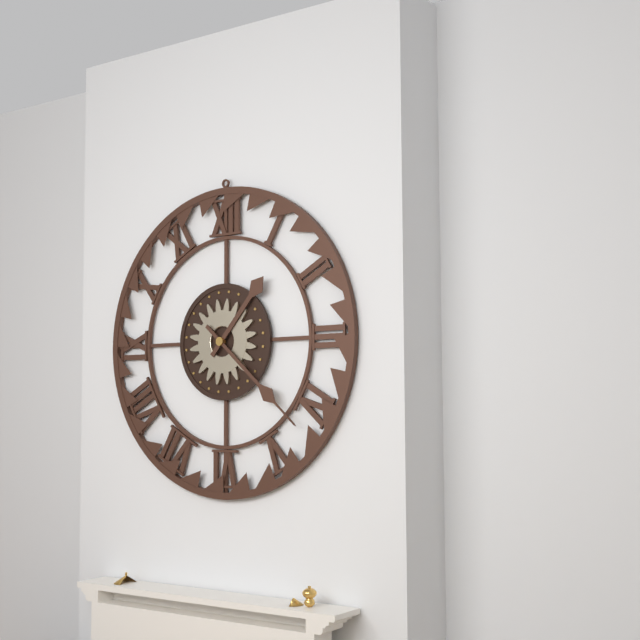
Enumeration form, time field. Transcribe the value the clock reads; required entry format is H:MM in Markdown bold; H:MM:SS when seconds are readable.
**1:22**
